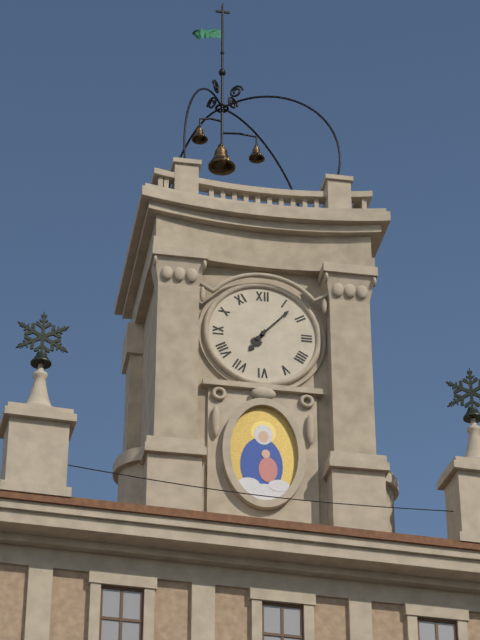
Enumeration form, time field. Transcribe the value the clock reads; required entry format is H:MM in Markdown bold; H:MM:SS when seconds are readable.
**7:07**
